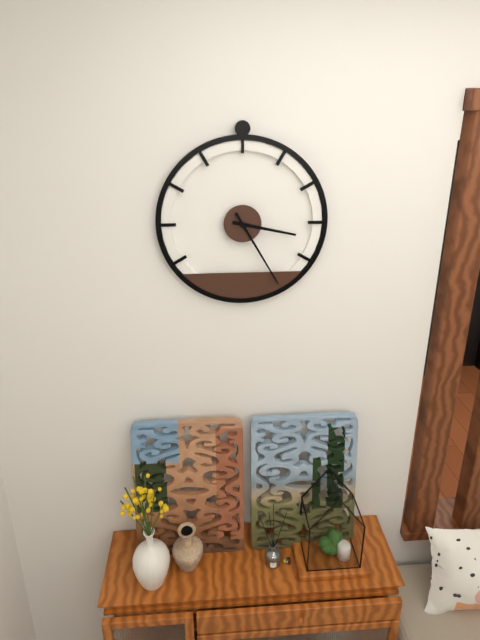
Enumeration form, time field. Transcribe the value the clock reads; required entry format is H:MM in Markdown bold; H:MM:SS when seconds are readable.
**3:25**
